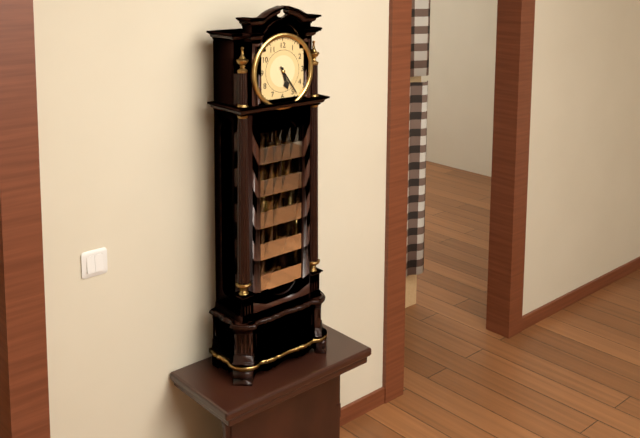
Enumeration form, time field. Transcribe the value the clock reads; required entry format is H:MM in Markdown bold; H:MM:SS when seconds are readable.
**5:24**
